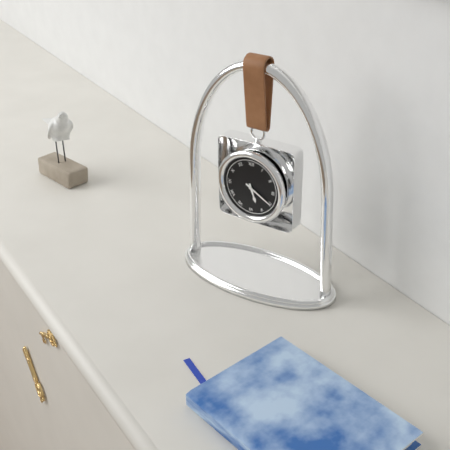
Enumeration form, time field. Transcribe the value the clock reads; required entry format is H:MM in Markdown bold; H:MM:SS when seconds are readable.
**5:20**
